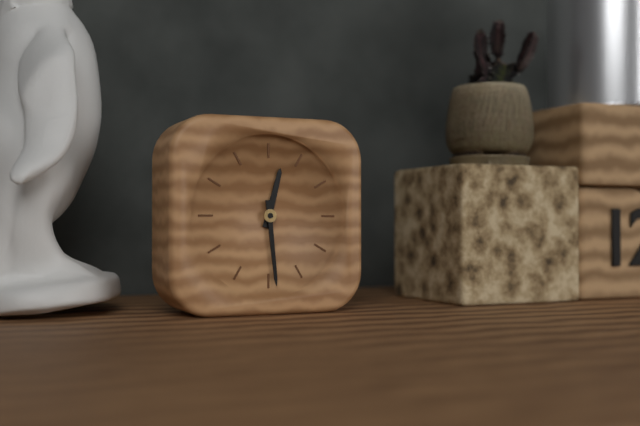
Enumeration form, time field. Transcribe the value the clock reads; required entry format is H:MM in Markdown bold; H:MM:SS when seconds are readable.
**12:29**
